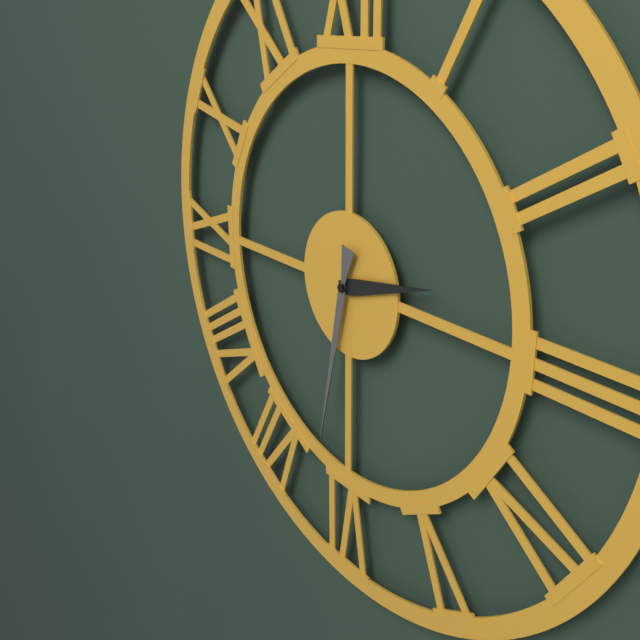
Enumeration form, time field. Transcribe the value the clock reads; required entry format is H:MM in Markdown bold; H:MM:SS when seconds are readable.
**2:32**
